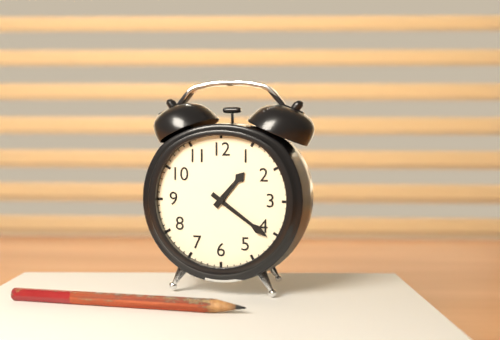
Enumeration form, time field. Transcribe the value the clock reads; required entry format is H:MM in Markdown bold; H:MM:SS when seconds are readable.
**1:21**
